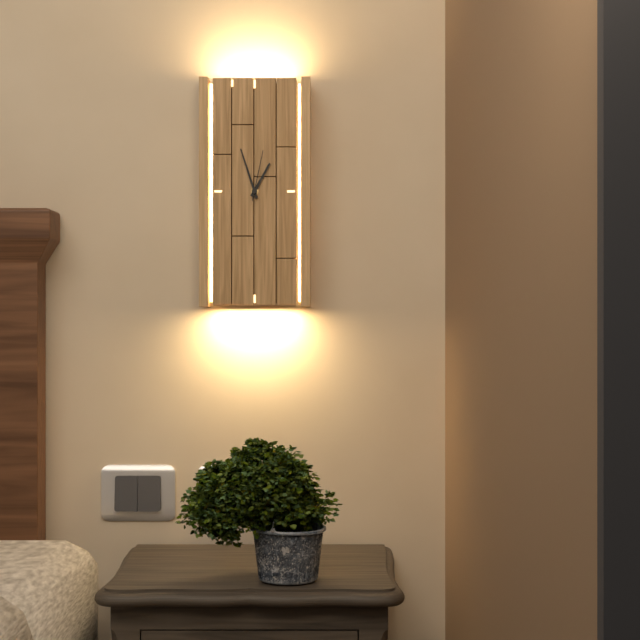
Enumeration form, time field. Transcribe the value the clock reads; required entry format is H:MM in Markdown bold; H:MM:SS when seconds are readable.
**12:57:02**
